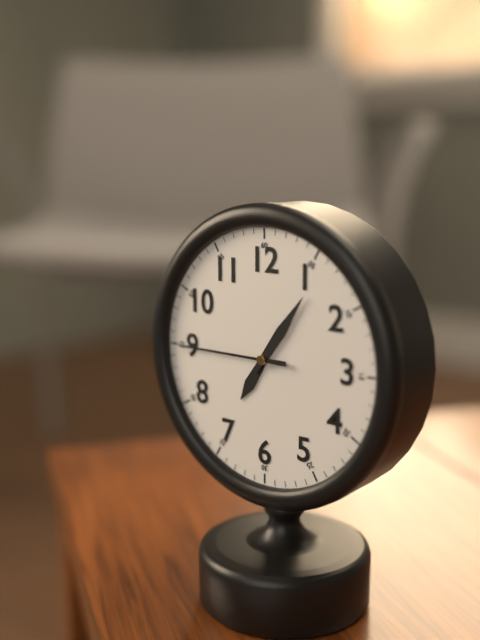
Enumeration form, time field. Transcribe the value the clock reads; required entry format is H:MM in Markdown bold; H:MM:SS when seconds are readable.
**7:06:45**
